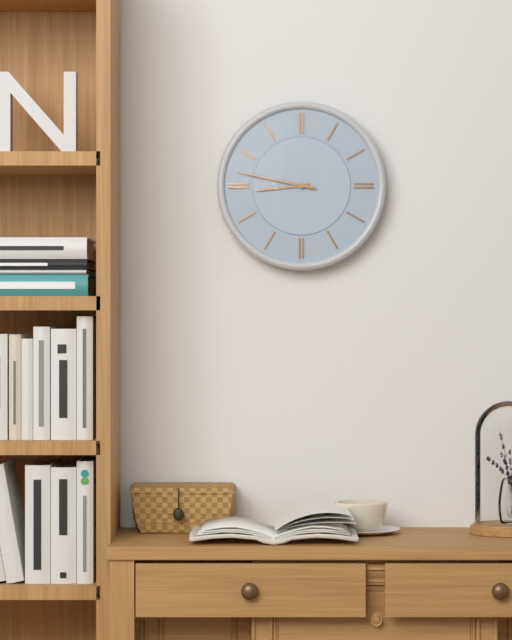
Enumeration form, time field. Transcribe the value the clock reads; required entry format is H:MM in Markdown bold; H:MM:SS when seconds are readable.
**8:47**
